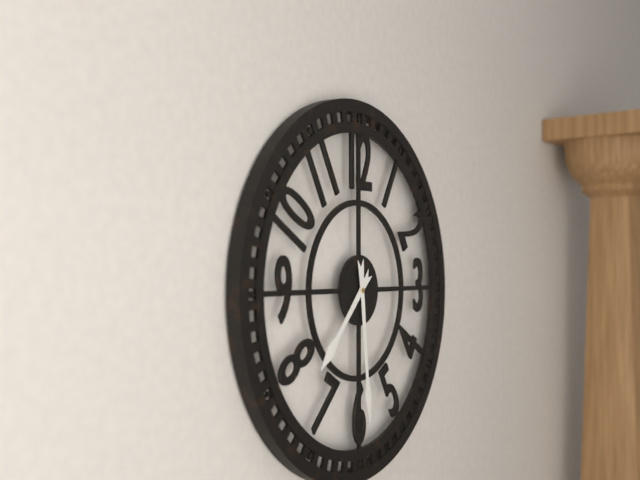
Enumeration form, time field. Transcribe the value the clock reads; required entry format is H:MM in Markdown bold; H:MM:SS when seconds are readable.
**7:29**
